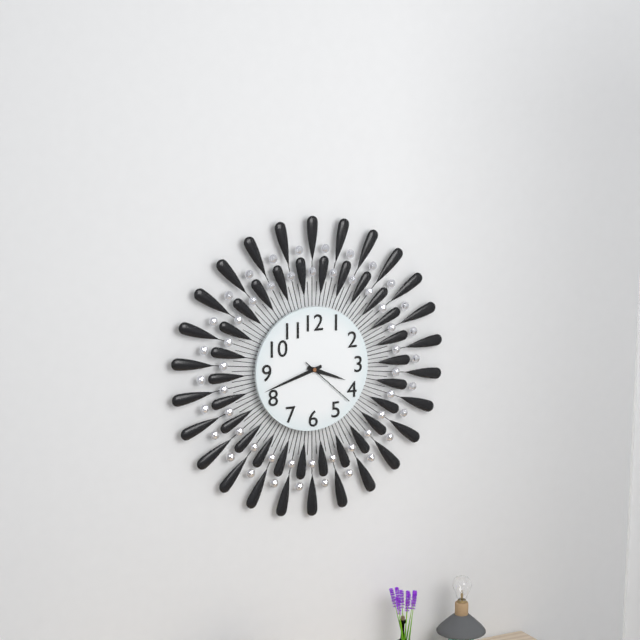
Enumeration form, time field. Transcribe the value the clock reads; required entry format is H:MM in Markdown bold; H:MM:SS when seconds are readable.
**3:42:22**
